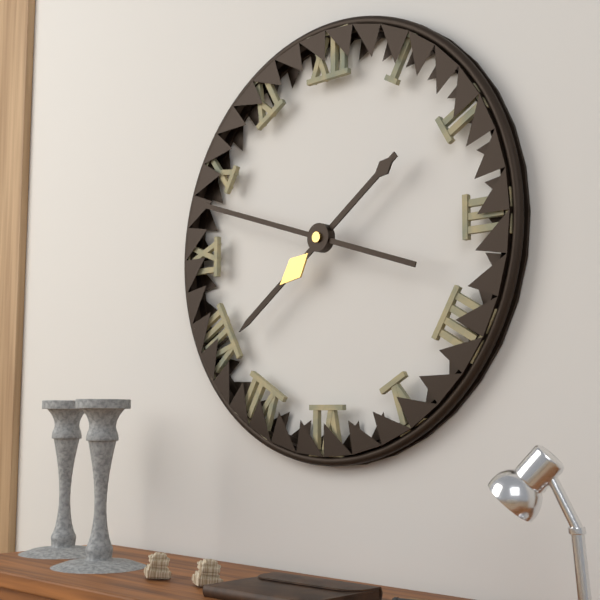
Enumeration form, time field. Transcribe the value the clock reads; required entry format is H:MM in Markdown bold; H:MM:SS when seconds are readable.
**7:48**
